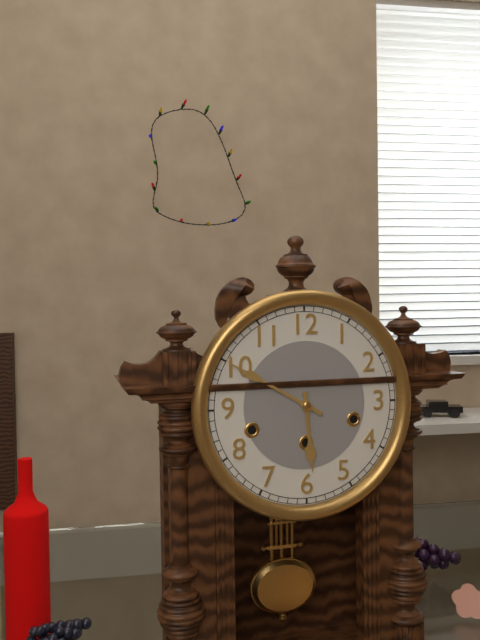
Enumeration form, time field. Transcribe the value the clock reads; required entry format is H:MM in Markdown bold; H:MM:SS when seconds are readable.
**5:50**
